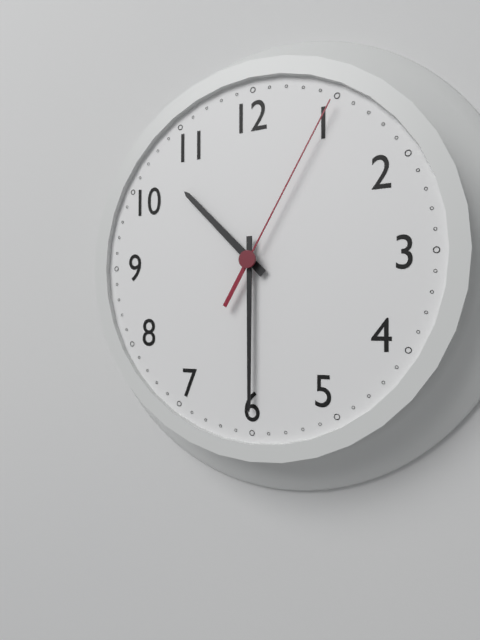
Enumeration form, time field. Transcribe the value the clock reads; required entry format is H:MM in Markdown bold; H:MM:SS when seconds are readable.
**10:30:05**
